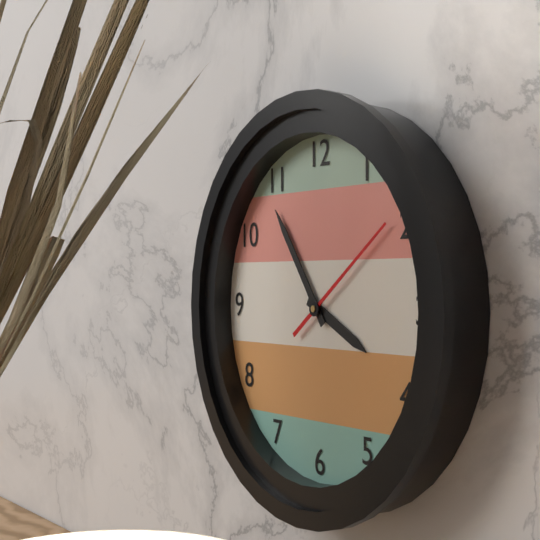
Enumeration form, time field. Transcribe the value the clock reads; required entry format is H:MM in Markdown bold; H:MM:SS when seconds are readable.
**3:54:09**
